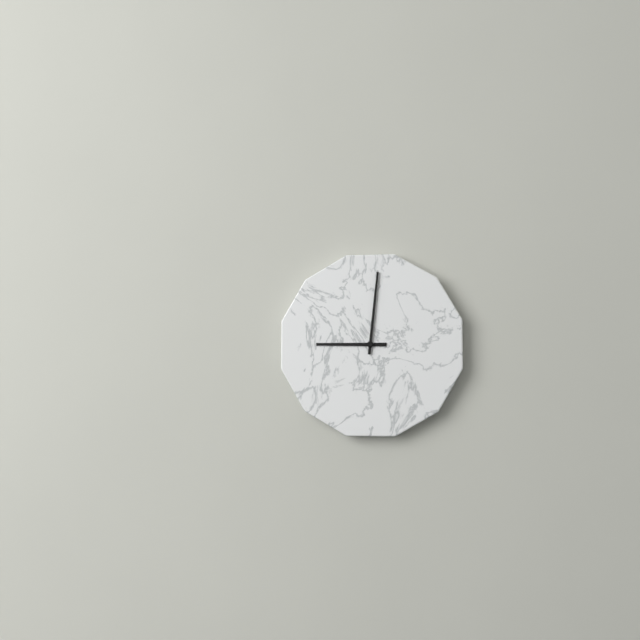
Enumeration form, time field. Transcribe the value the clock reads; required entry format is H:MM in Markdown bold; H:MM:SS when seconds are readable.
**9:01**
